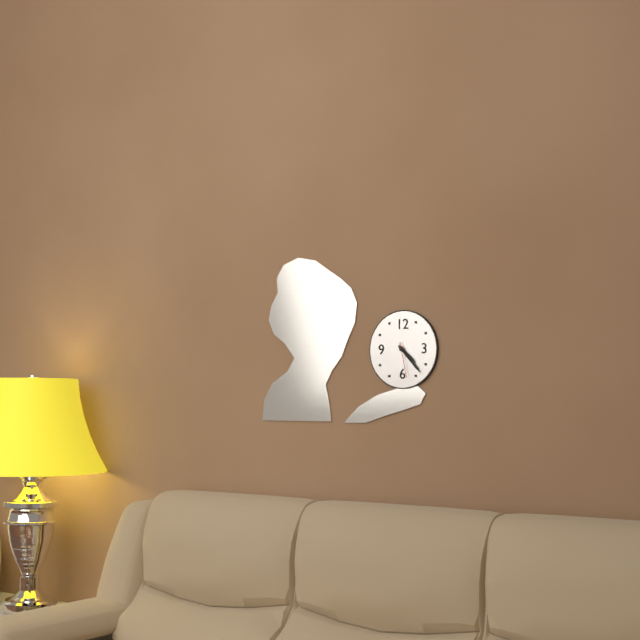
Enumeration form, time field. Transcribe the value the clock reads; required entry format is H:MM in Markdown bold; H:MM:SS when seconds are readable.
**4:23**
